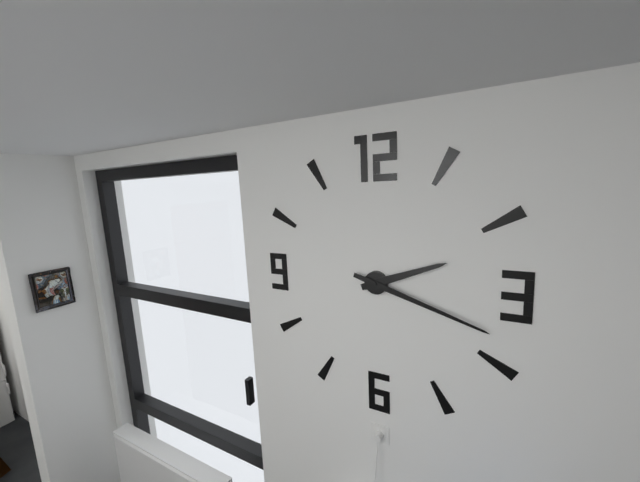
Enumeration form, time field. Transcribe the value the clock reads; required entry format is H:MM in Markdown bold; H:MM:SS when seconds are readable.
**2:18**
